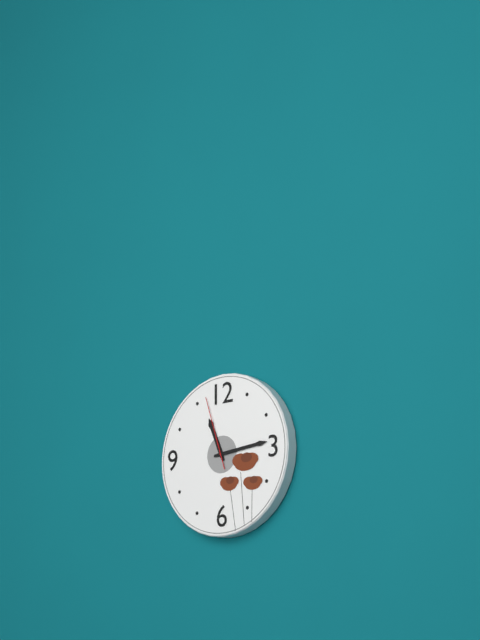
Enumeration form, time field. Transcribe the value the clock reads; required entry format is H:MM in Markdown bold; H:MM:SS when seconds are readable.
**11:14:57**
